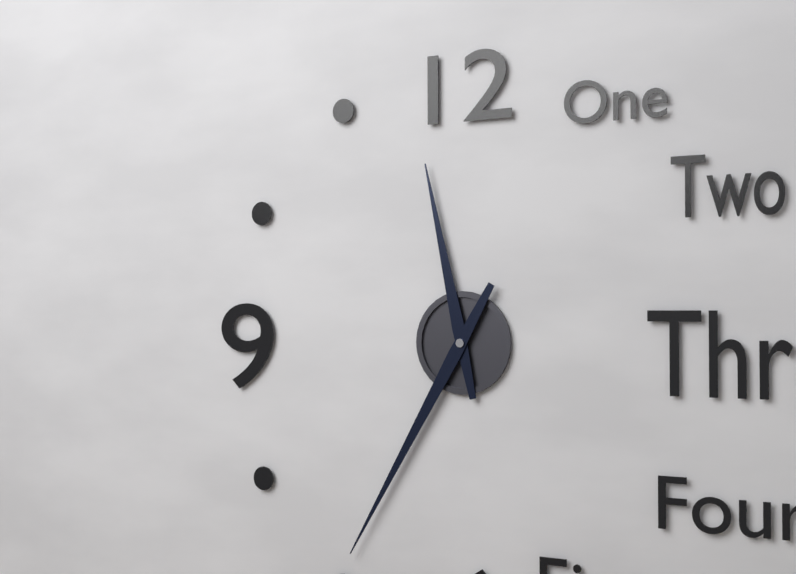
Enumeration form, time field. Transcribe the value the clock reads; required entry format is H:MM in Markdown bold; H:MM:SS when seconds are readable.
**11:35**
